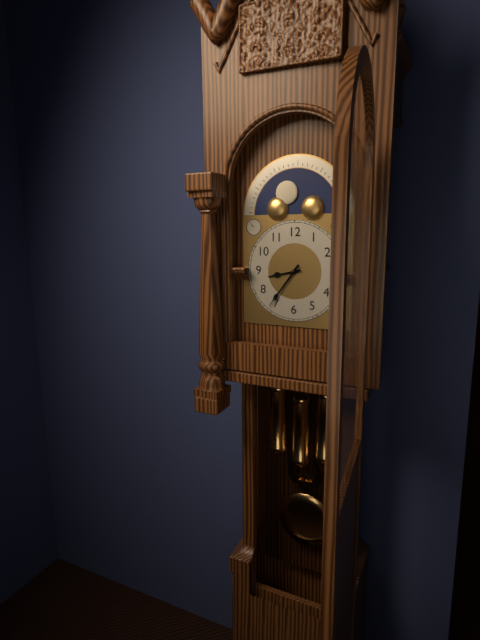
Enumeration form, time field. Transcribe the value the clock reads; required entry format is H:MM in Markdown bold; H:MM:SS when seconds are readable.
**8:36**
